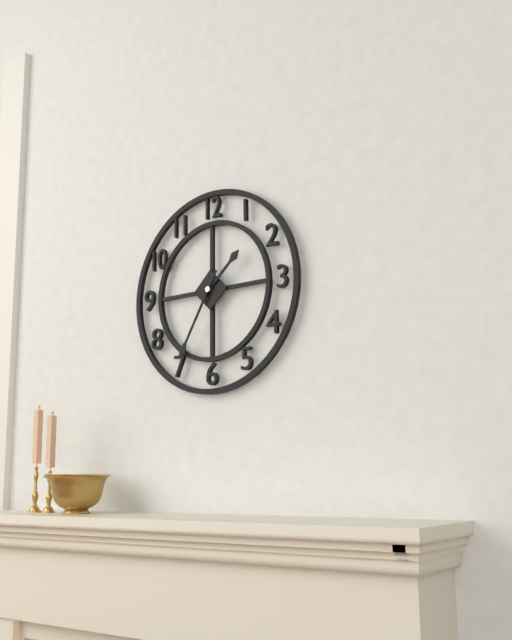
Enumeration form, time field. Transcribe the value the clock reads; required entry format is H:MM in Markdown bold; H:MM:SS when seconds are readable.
**1:35**
